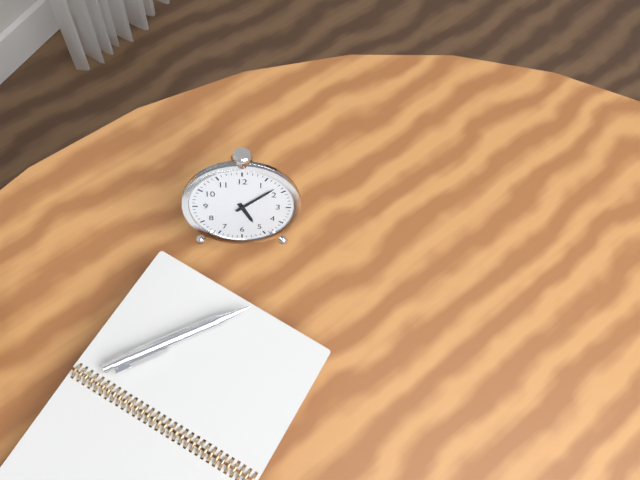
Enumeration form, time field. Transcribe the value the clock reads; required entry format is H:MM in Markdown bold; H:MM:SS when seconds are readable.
**5:08**
